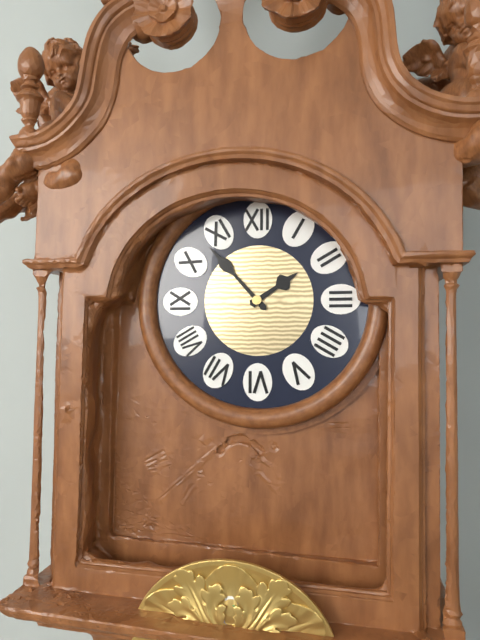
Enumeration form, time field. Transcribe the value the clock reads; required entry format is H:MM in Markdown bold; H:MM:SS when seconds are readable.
**1:53**
